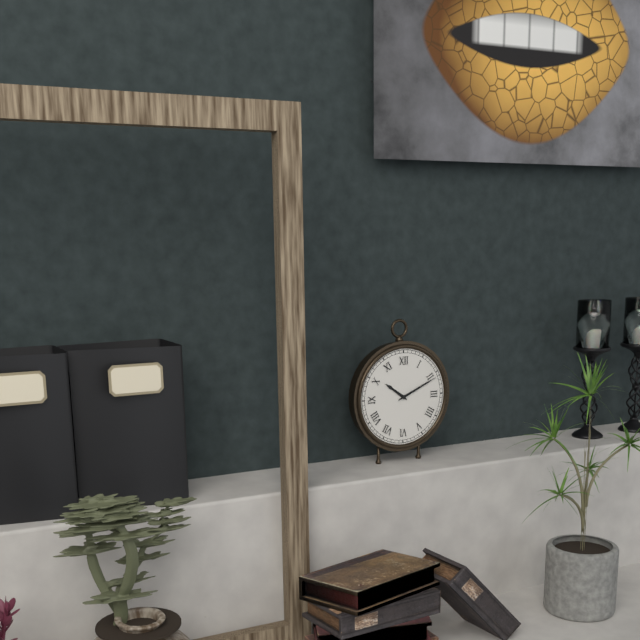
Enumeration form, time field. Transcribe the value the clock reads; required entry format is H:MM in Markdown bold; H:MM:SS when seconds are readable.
**10:11**
